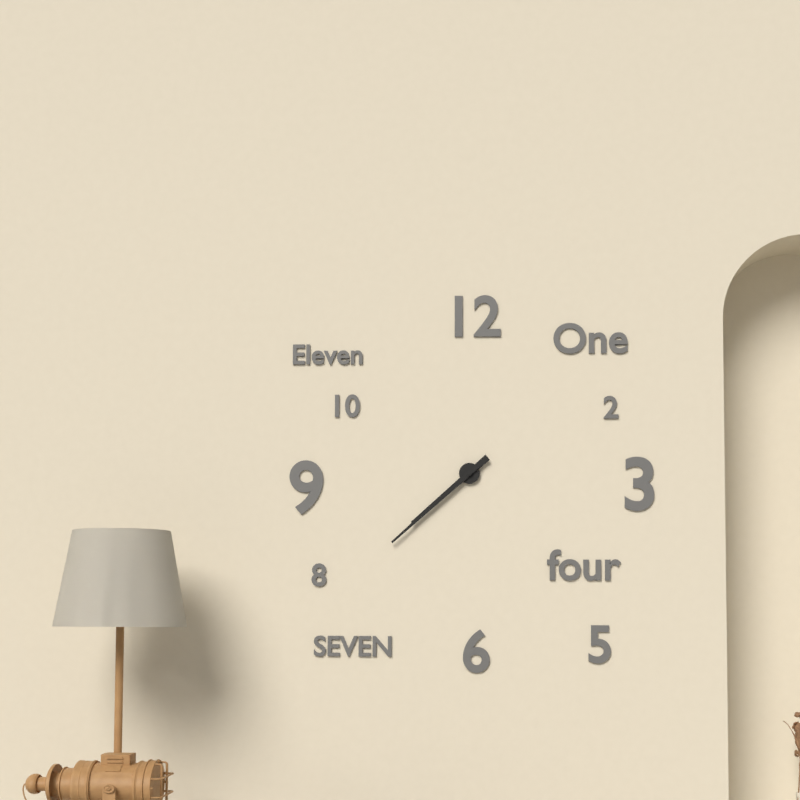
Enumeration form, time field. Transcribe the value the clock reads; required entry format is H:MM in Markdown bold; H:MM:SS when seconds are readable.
**7:38**
